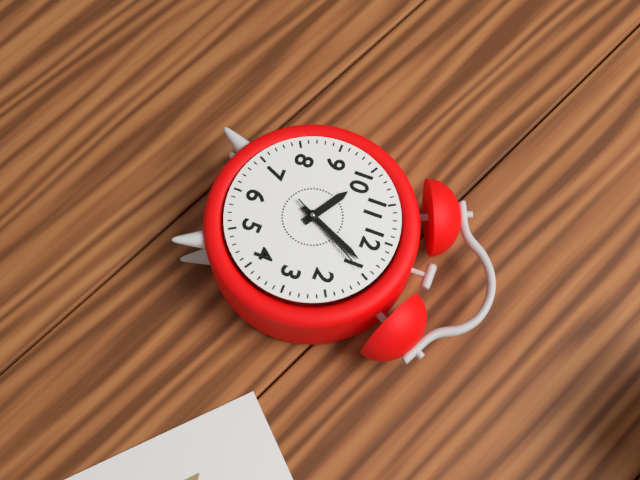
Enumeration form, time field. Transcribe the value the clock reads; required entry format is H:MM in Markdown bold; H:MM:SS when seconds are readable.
**10:04:05**
